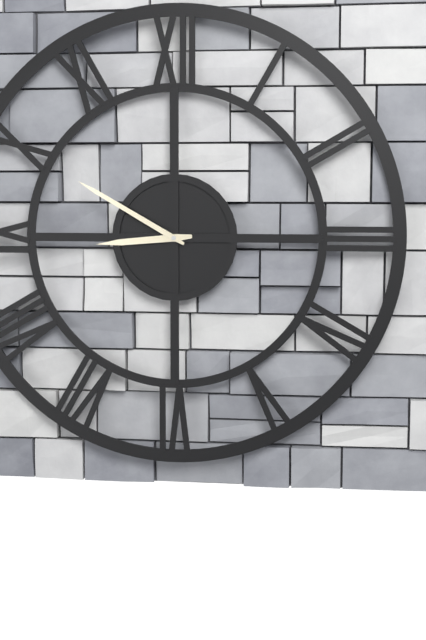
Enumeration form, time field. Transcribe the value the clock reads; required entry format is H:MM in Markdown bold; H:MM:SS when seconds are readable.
**8:50**
